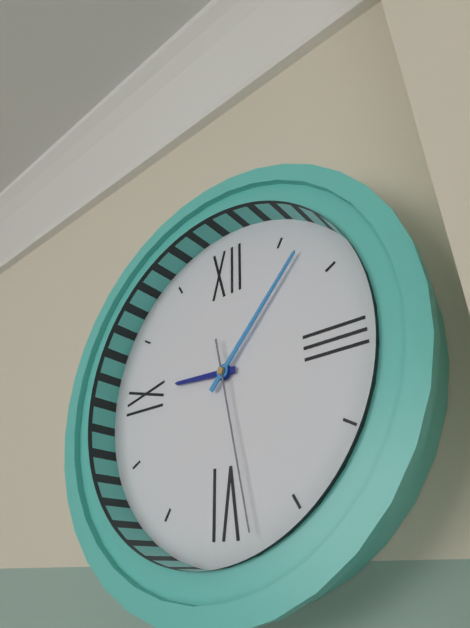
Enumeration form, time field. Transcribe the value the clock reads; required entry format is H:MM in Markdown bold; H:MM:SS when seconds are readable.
**9:07:28**
